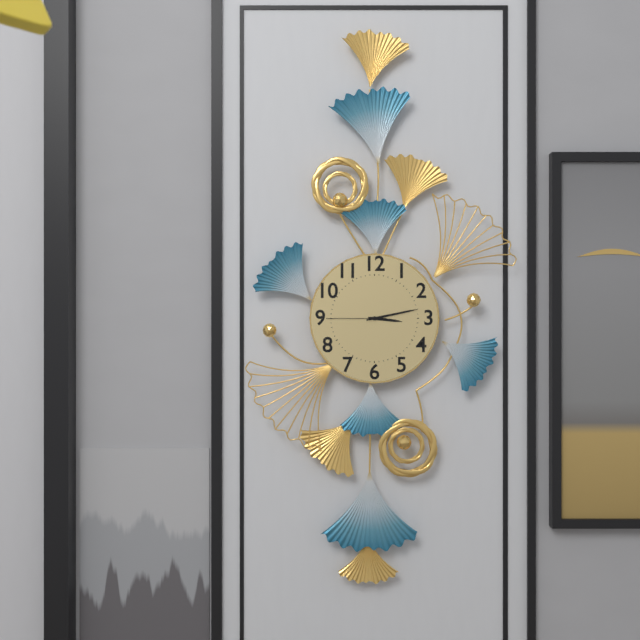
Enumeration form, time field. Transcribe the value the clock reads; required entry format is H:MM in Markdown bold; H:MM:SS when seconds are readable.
**3:13:45**
